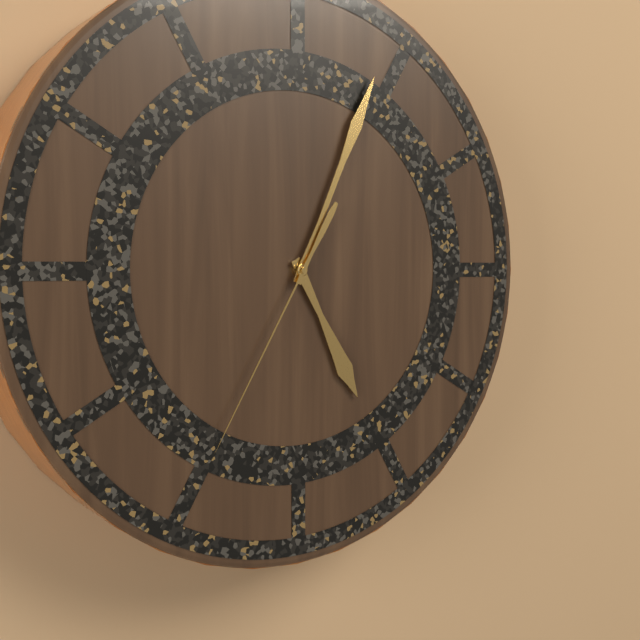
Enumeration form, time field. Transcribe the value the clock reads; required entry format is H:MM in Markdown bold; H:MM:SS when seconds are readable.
**5:04:35**
